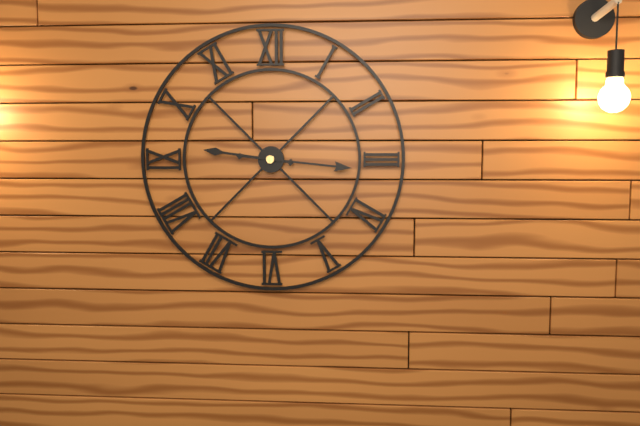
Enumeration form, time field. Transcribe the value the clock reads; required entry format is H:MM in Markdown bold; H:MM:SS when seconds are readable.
**9:16**
